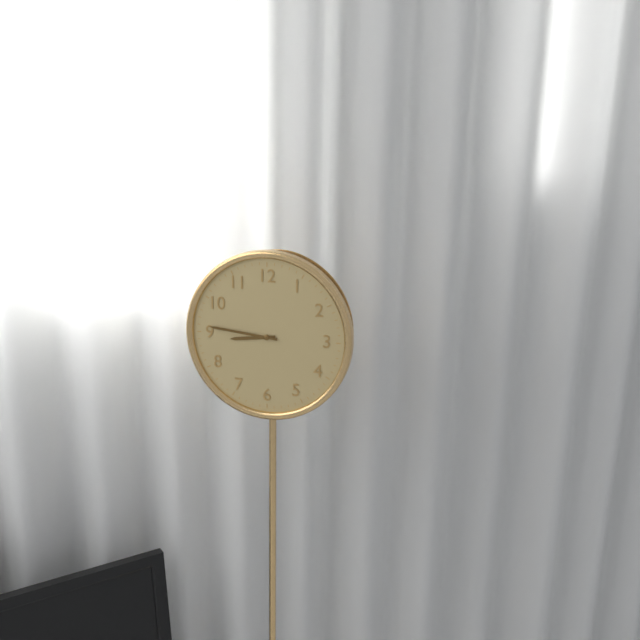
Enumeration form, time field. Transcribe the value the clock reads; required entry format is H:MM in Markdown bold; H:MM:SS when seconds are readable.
**8:46**
